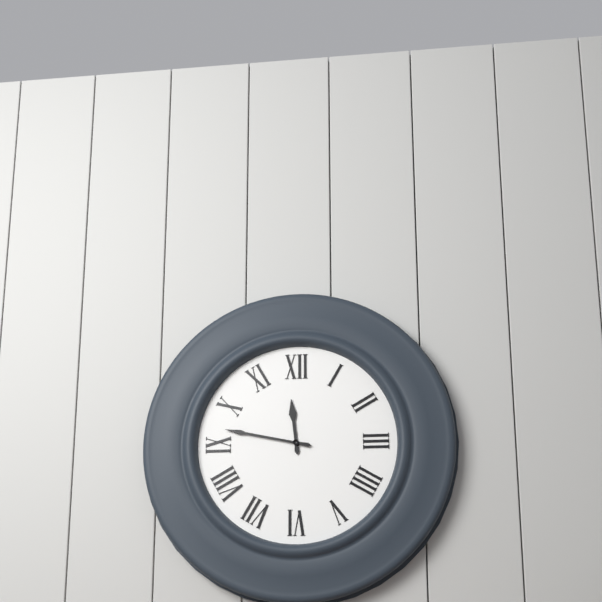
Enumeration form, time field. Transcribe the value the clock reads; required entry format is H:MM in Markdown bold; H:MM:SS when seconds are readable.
**11:47**
